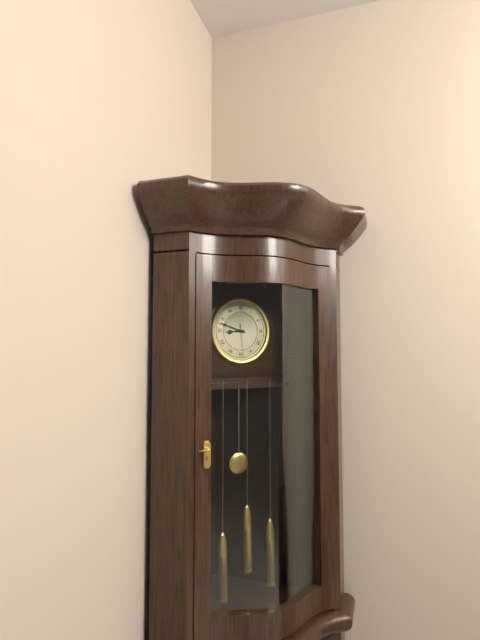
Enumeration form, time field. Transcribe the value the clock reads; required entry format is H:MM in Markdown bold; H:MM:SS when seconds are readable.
**8:48**
